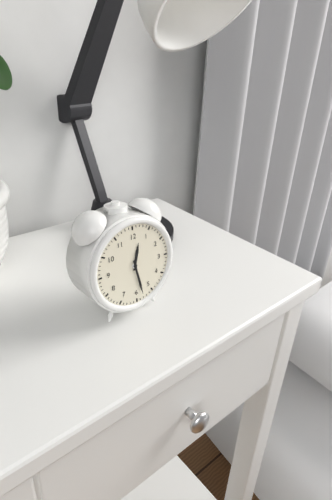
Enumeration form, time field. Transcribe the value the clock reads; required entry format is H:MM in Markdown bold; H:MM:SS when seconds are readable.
**12:28**
